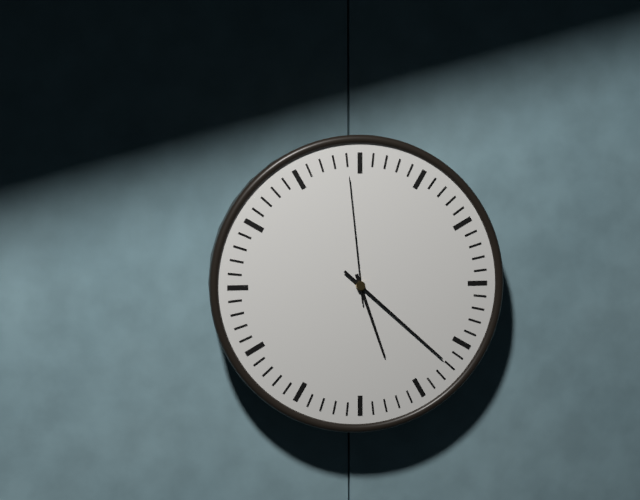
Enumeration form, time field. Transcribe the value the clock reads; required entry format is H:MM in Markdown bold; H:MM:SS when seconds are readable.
**5:22:59**
